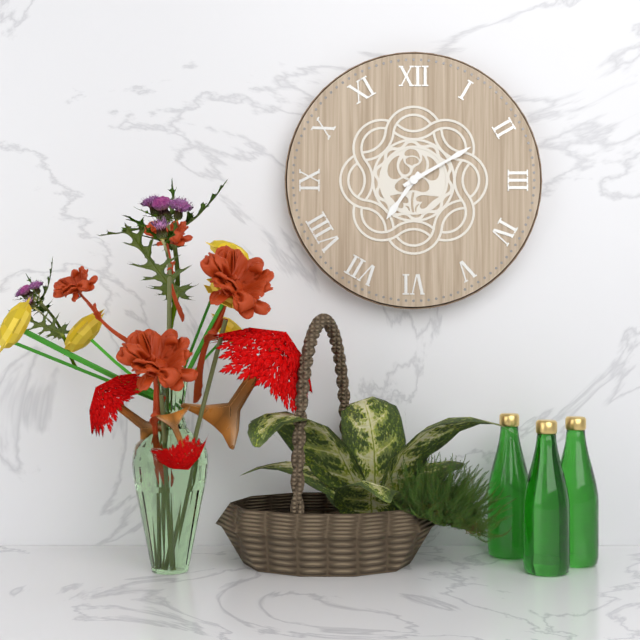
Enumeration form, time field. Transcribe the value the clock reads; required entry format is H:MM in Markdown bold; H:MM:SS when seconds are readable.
**7:10**
